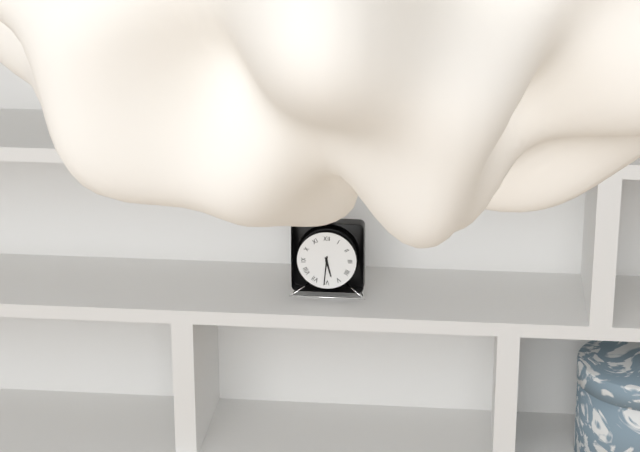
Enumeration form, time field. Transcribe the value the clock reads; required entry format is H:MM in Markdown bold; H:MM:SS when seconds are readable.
**5:31**
